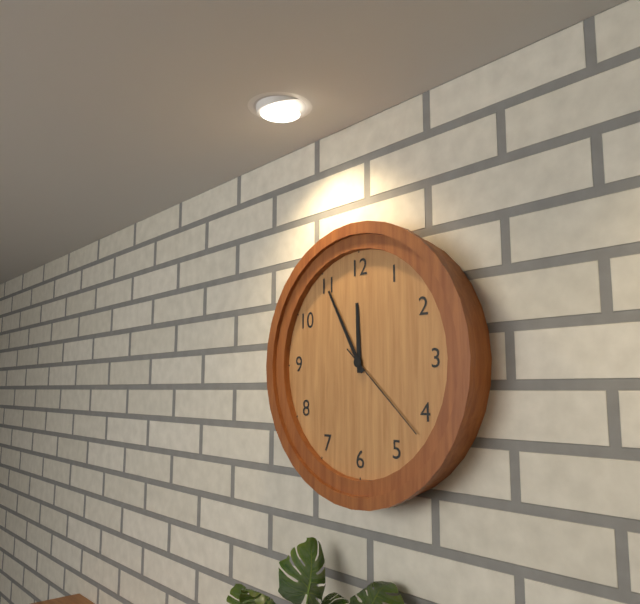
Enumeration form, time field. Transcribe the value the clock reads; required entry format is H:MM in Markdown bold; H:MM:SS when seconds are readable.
**11:55:22**
